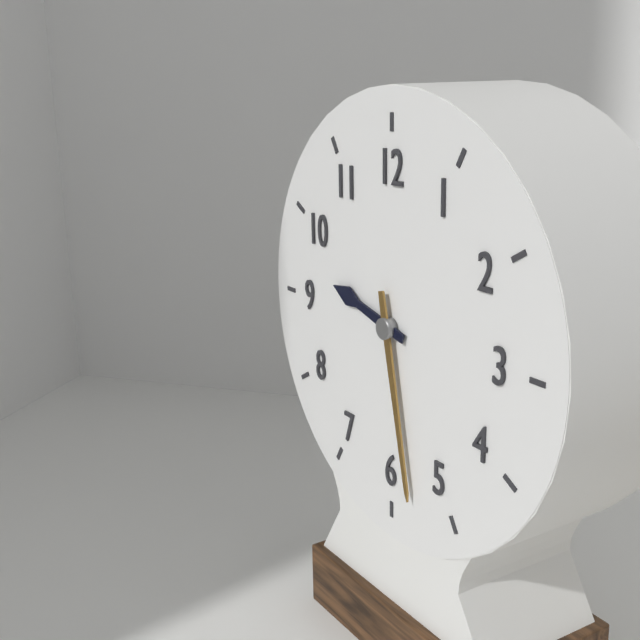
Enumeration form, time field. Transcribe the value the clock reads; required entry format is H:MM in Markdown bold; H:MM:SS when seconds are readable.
**9:28**
